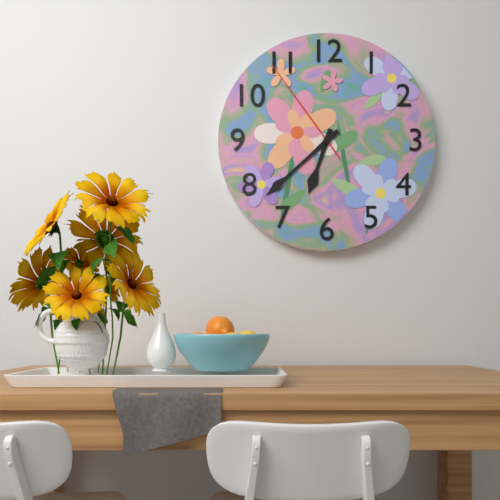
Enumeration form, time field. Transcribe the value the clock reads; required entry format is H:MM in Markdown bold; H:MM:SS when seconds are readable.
**6:38:54**
